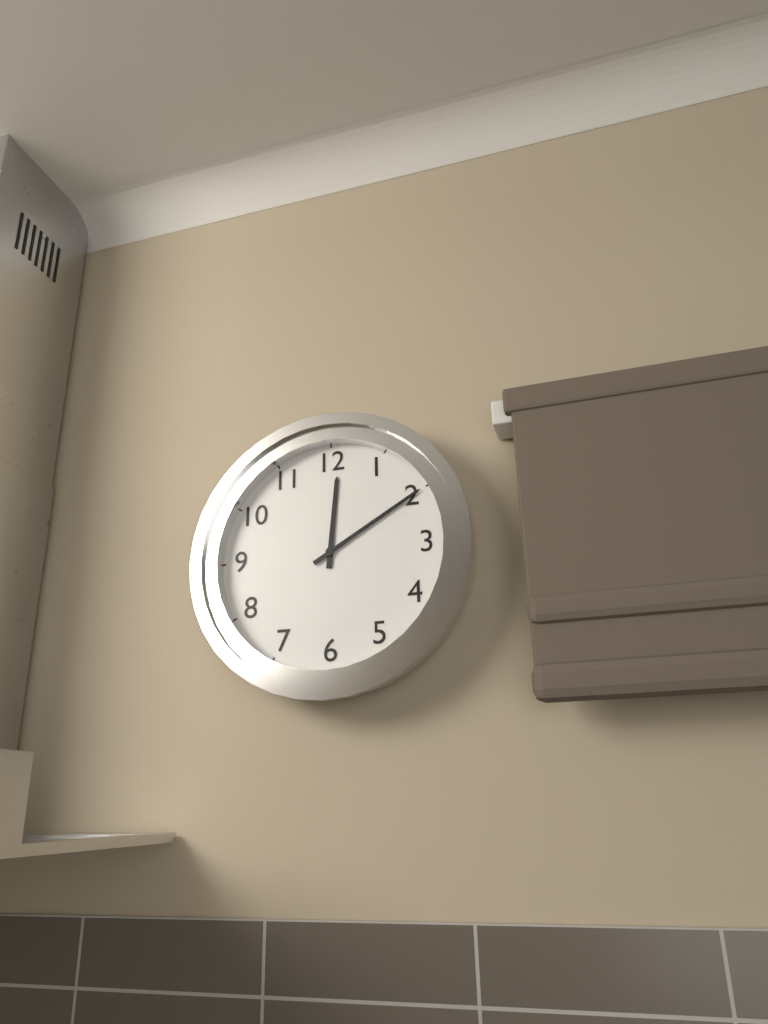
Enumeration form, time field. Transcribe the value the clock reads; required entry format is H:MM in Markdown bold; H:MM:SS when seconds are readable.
**12:10**
